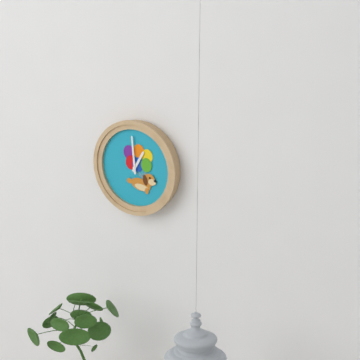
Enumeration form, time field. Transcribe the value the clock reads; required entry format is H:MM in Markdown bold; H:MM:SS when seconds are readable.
**12:59**
